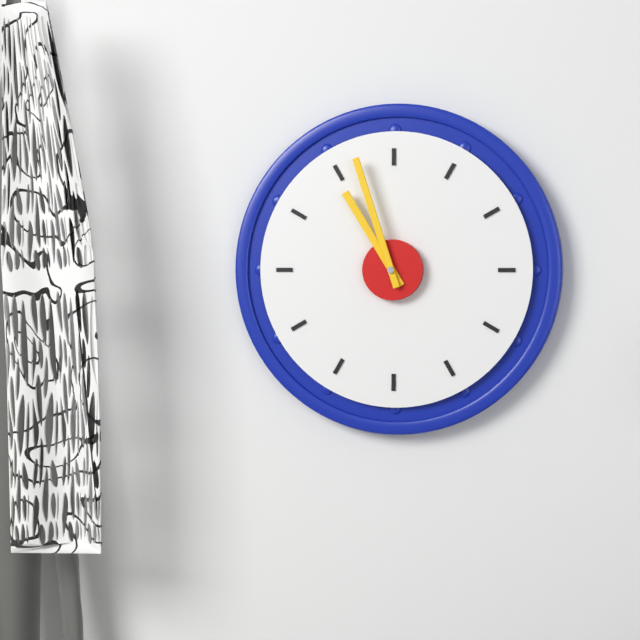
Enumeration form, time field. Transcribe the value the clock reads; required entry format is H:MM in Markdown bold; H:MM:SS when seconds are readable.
**10:57**
